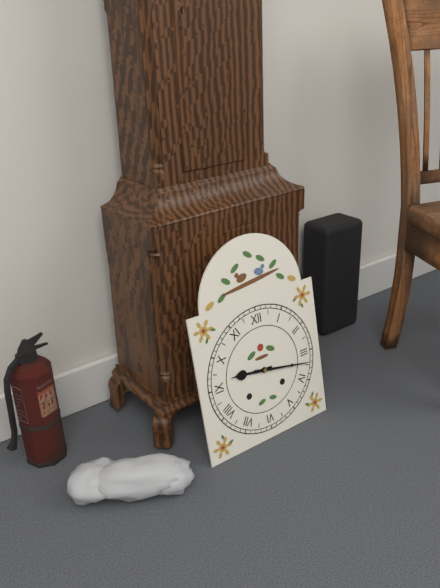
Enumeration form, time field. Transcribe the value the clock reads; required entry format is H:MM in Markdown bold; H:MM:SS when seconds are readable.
**9:17**
